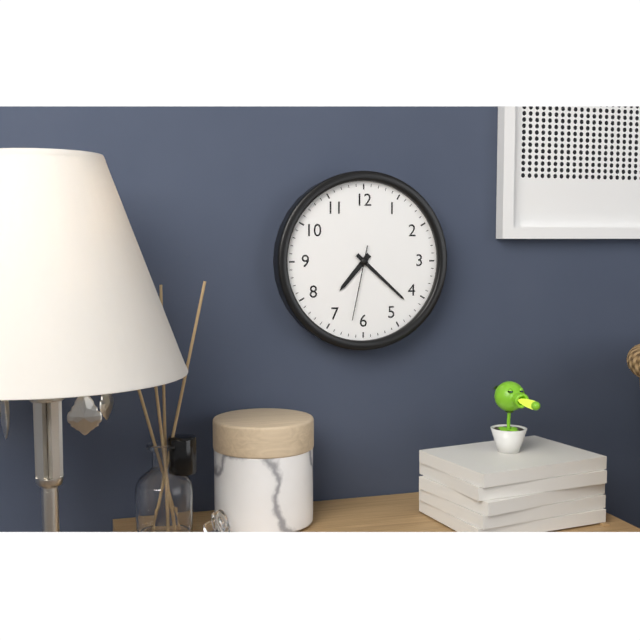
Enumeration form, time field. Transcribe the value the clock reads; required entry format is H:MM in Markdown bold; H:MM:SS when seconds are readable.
**7:22:32**
